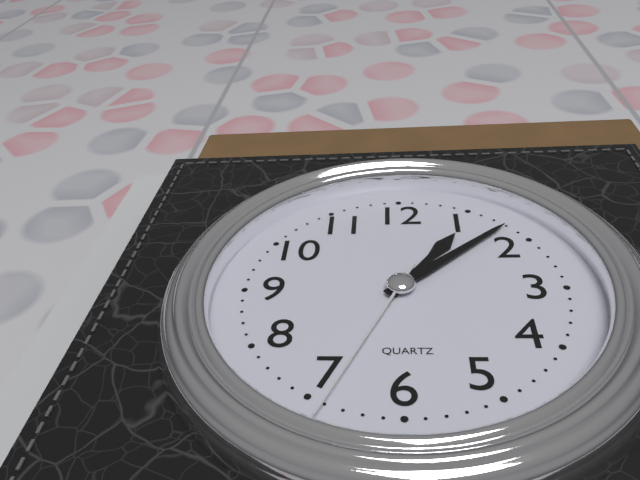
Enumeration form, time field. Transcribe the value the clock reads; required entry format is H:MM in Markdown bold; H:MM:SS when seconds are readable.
**1:08:34**
